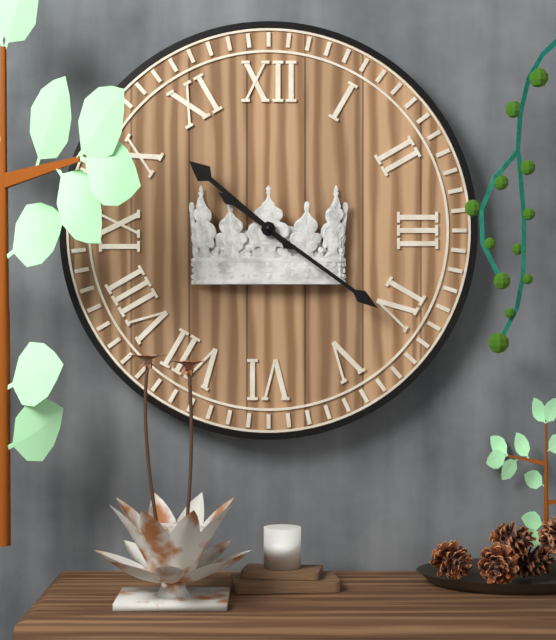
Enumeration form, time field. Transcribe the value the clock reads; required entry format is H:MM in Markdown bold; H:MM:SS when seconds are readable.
**10:21**
